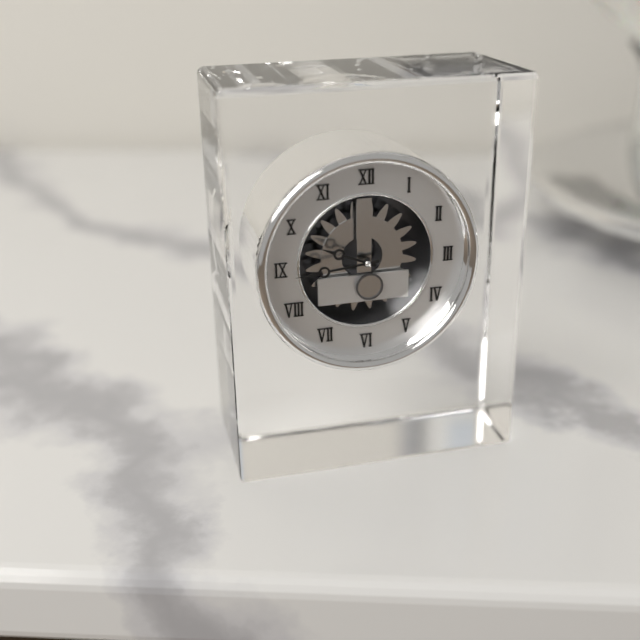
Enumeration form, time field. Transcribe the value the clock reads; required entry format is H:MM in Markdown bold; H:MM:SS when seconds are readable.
**9:44**
